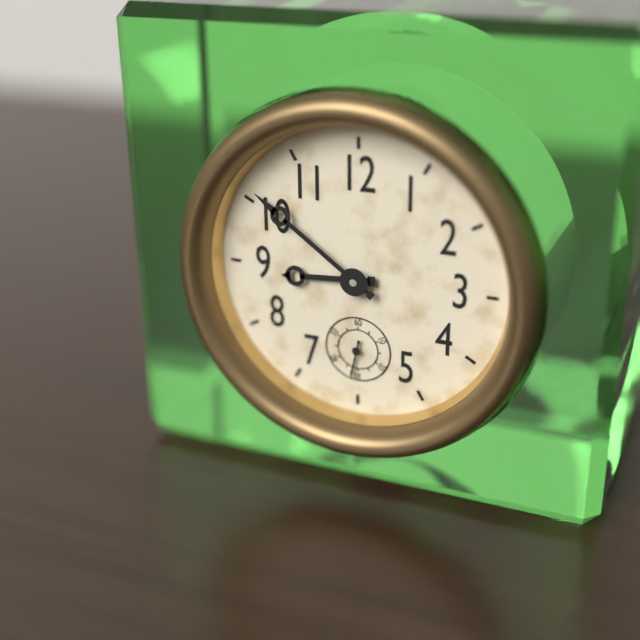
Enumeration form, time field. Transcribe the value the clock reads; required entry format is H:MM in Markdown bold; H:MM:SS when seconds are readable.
**8:51**
